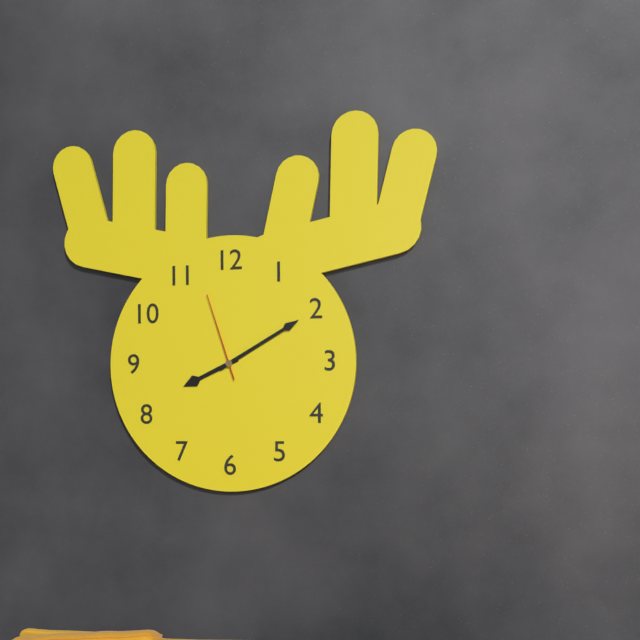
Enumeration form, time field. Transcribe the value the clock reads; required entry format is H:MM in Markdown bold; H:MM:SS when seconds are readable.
**8:10:57**
